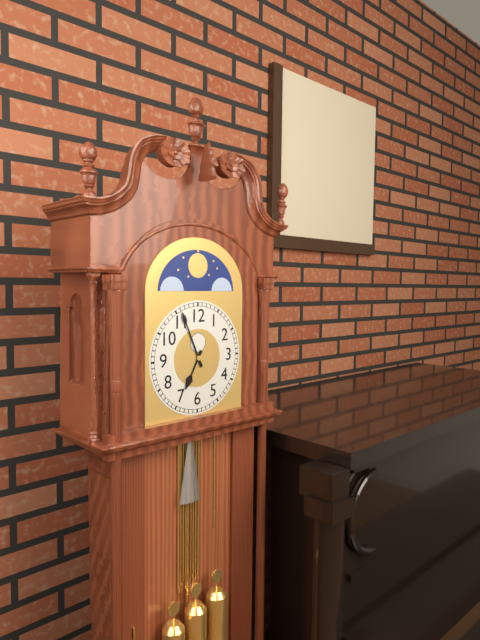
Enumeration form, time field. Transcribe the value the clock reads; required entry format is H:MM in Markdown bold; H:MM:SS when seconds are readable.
**6:56**
